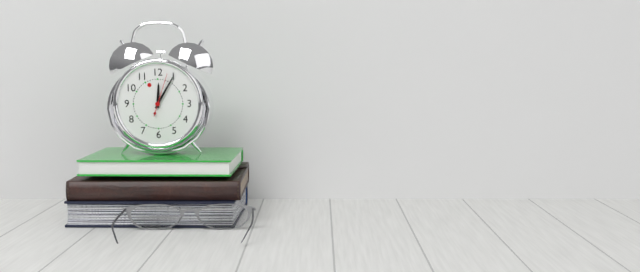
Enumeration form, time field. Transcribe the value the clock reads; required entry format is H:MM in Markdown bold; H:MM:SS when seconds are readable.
**12:05**
